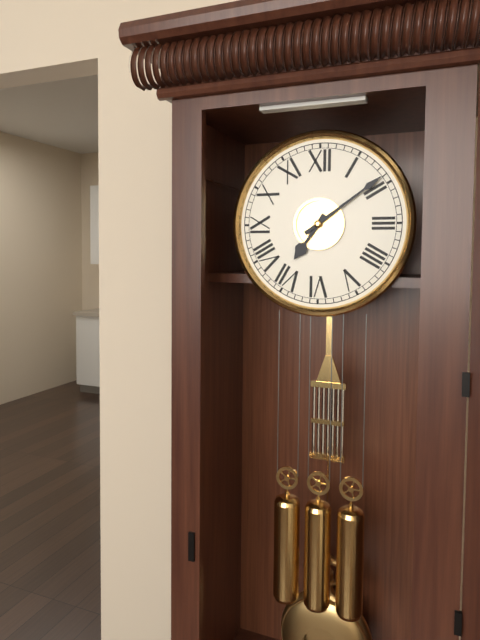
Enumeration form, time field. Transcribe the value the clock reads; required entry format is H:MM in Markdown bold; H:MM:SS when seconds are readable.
**7:09**
